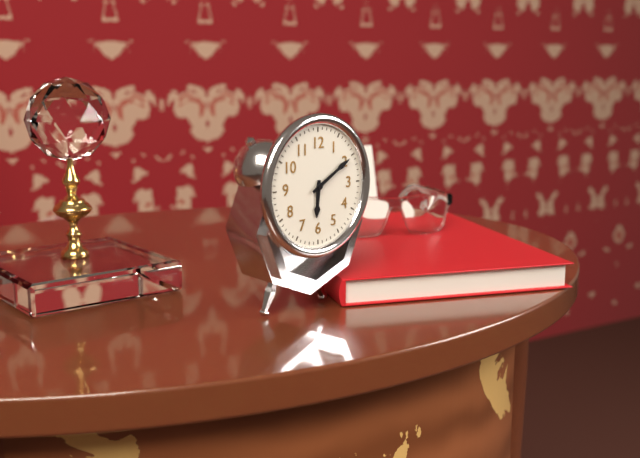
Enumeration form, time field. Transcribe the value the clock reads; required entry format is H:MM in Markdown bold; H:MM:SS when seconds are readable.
**6:10**
